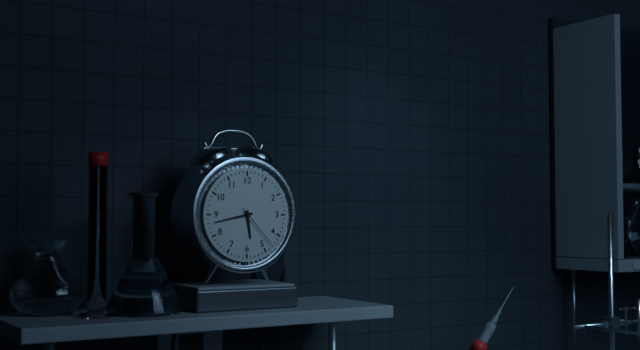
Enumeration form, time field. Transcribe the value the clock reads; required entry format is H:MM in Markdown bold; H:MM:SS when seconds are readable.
**5:43**
